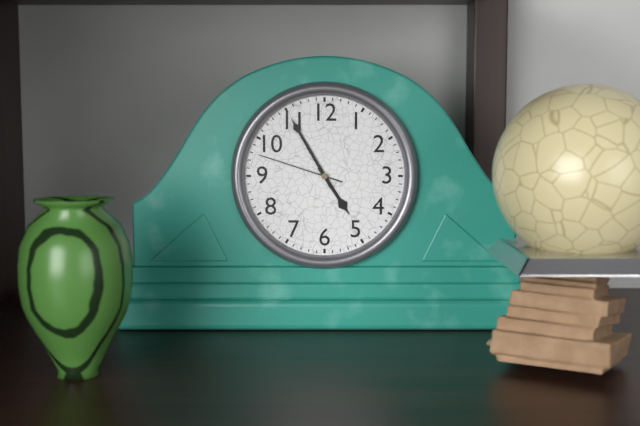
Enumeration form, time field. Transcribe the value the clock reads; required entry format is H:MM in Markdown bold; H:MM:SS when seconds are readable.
**4:55:48**
